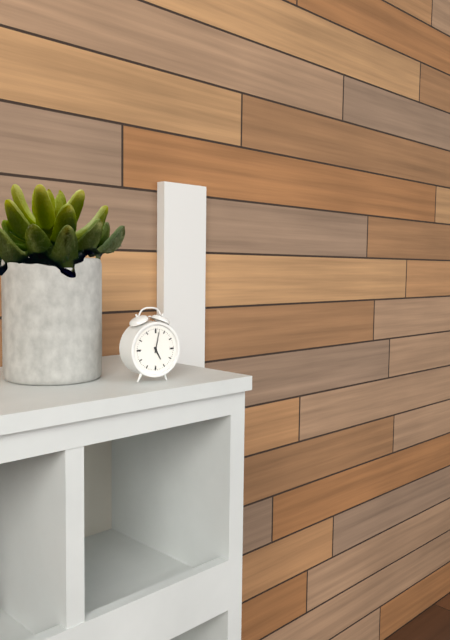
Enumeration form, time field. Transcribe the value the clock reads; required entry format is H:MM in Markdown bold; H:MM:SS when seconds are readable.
**5:02**
